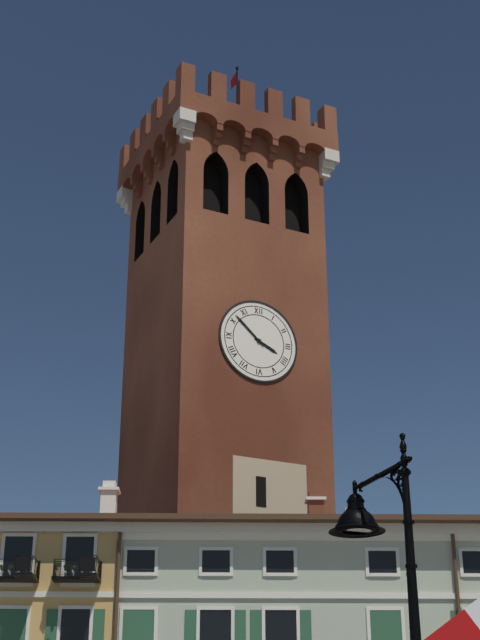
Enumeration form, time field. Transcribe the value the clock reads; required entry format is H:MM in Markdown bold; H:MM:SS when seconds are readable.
**3:52**
